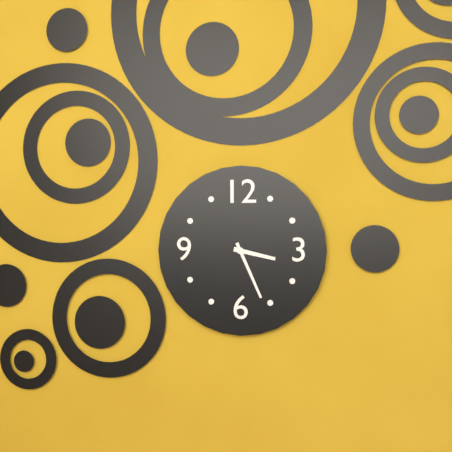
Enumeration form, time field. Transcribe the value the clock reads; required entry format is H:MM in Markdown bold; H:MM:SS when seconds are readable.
**3:26**
